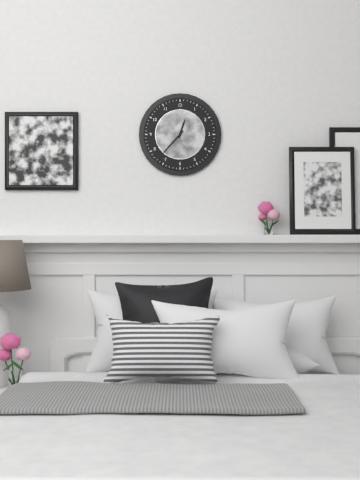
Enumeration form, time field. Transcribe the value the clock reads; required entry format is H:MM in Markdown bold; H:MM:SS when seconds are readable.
**12:37**
